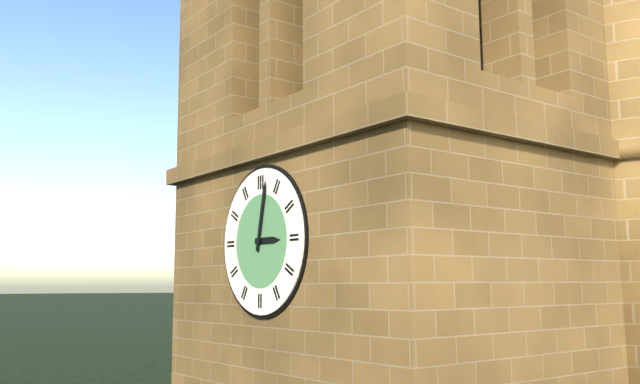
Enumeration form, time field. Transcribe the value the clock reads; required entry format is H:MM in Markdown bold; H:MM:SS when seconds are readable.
**3:02**
